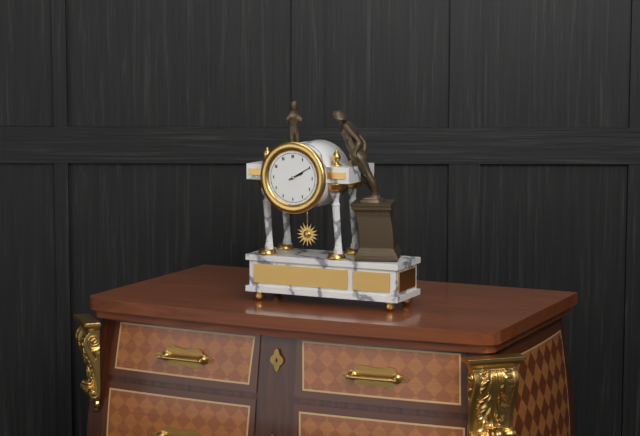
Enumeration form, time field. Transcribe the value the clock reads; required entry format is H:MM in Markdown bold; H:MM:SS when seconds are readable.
**2:10**
